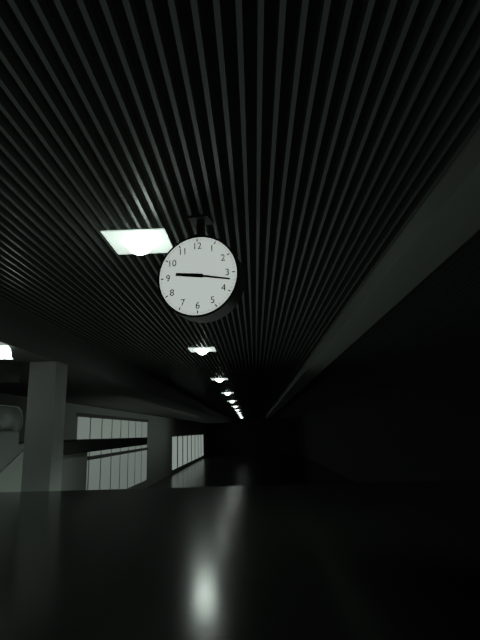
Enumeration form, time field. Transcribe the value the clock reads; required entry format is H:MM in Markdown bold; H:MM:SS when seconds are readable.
**9:17**
